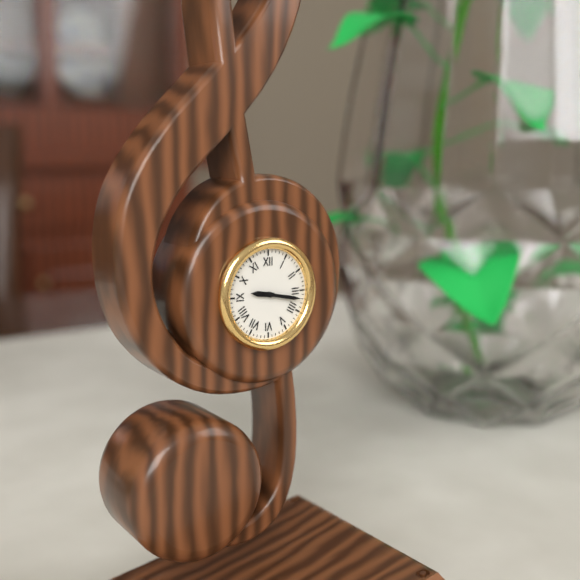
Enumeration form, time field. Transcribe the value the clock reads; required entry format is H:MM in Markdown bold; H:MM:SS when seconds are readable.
**9:17**
